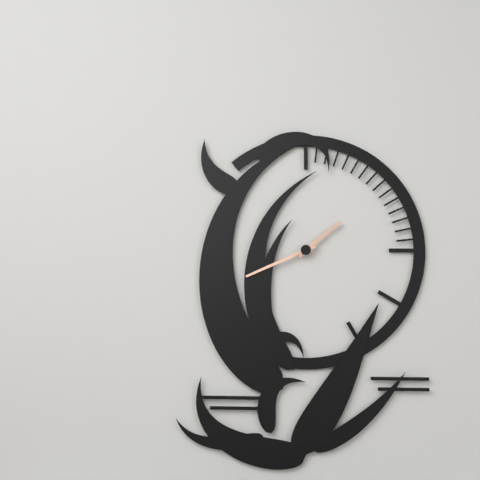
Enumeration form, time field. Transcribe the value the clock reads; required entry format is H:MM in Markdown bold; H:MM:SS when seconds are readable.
**1:41**
